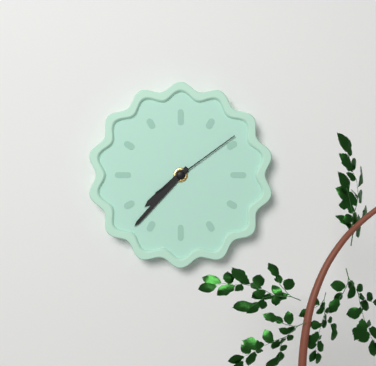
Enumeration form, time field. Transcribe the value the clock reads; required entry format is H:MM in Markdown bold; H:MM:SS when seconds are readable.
**7:37:09**
